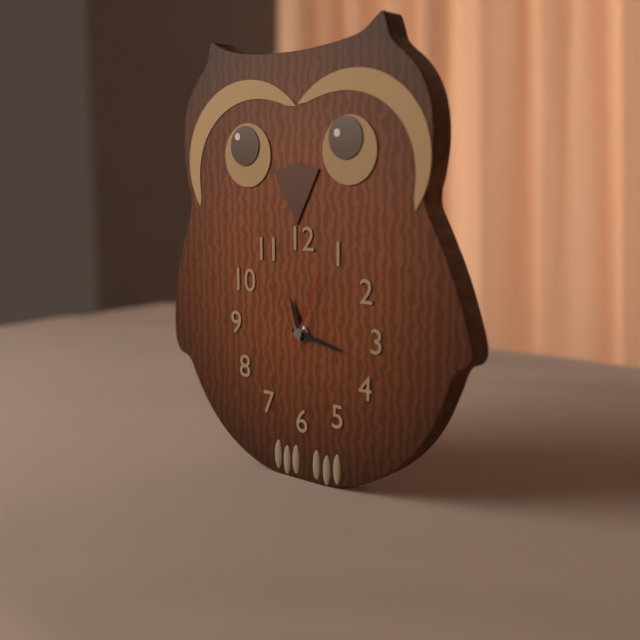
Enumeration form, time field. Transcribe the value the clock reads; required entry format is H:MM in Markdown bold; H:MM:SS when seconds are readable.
**11:17:04**
